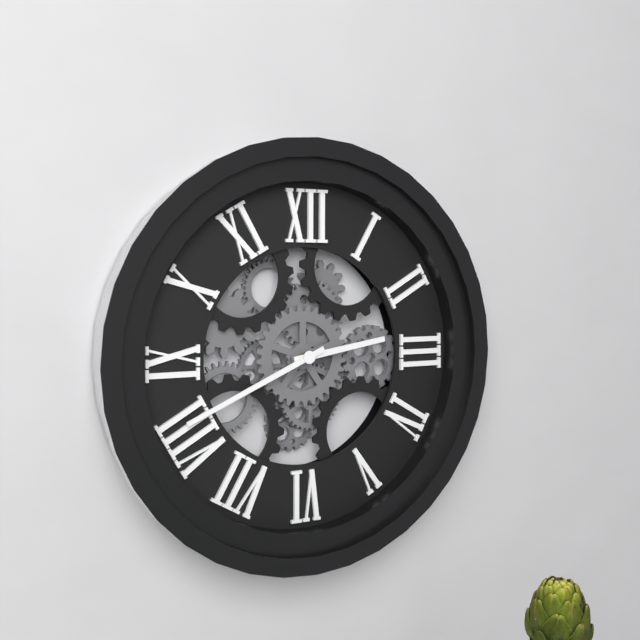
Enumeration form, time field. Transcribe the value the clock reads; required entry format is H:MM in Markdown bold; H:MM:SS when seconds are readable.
**2:41**
